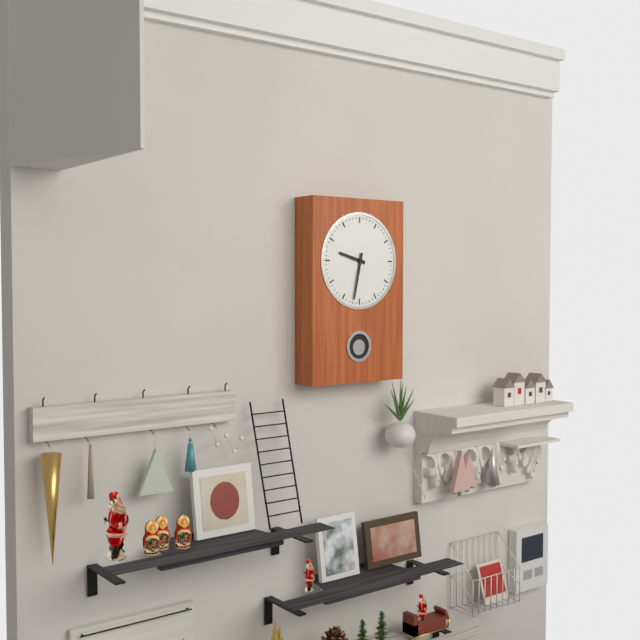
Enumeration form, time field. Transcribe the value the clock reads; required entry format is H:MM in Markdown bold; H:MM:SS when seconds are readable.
**9:32**
